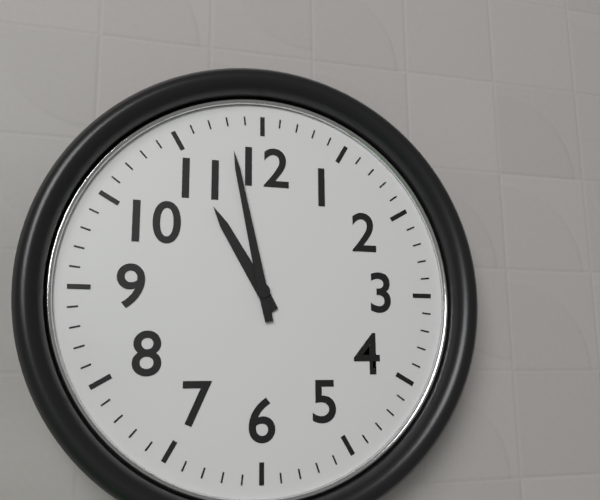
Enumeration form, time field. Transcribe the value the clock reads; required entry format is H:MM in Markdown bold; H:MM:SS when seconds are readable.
**10:58**
